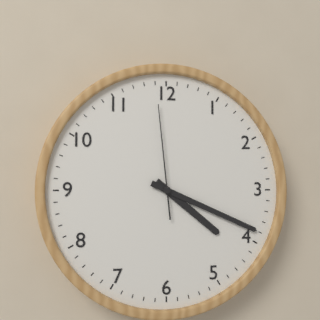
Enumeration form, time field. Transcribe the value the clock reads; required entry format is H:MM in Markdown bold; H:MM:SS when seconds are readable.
**4:19:59**
